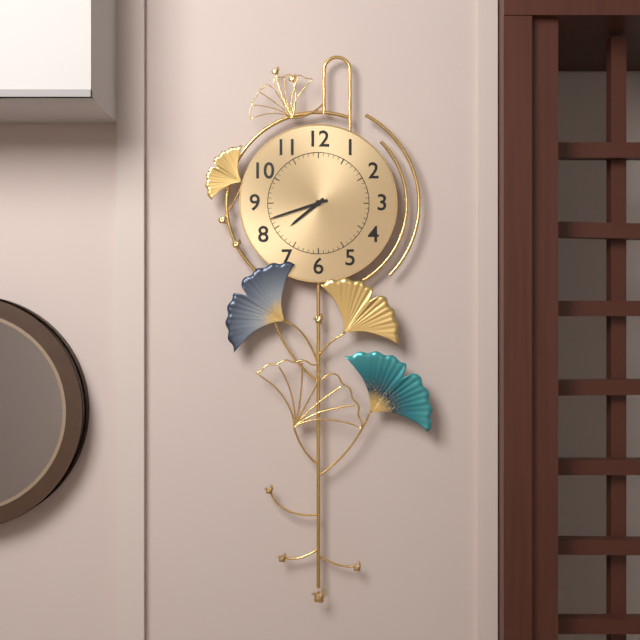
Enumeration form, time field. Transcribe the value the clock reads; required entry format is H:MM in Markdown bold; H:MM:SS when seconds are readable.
**7:42**
